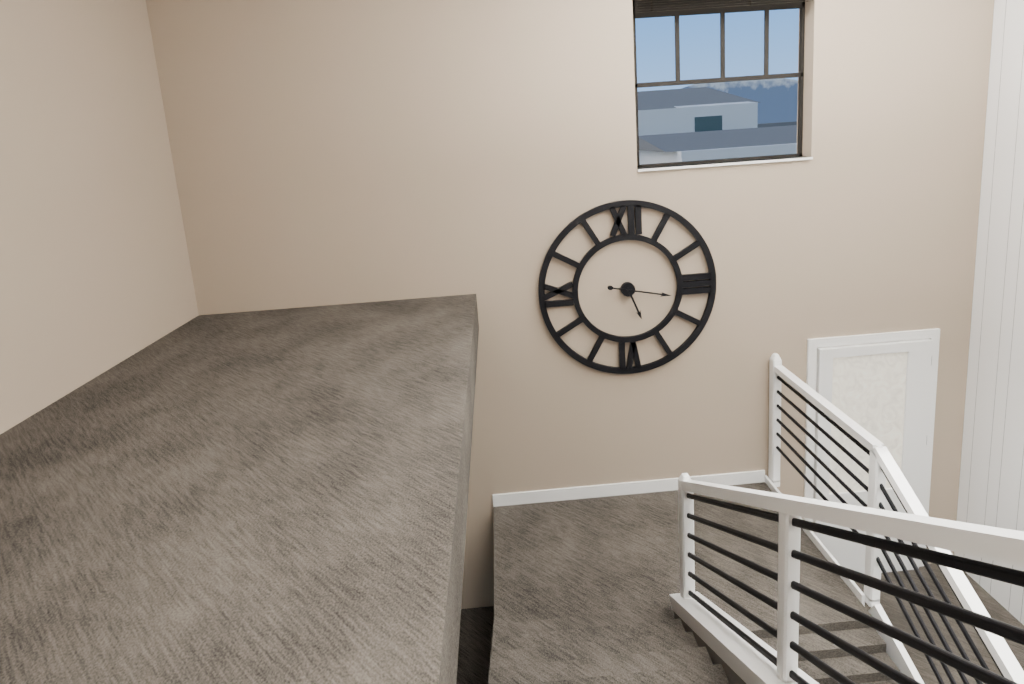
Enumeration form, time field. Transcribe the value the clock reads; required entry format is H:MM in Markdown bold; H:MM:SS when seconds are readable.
**5:17**
